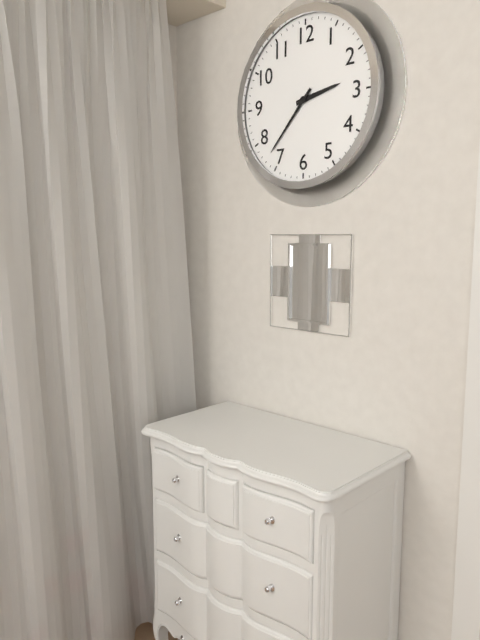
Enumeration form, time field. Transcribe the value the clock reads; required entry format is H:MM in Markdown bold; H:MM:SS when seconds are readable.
**2:37**
